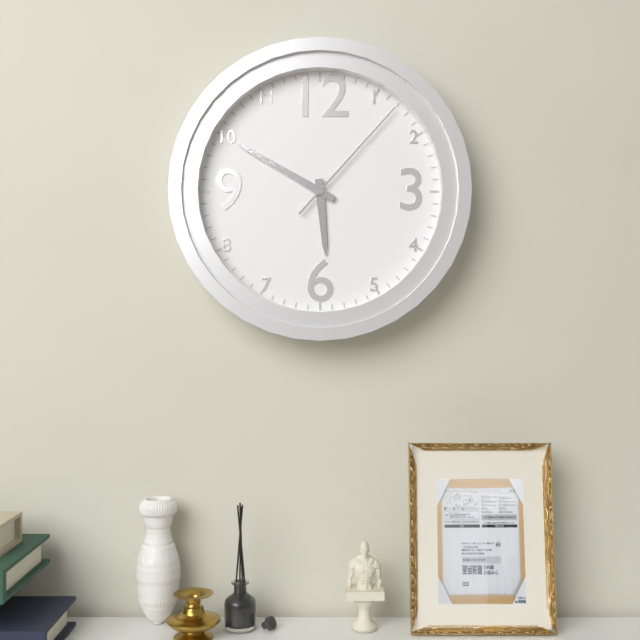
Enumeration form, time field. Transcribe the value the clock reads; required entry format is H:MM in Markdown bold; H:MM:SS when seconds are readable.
**5:50:07**
